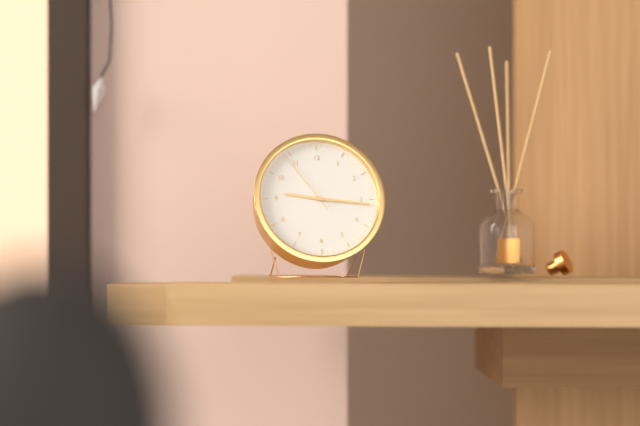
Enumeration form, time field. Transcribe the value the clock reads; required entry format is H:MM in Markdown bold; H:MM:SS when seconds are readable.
**9:16:54**
